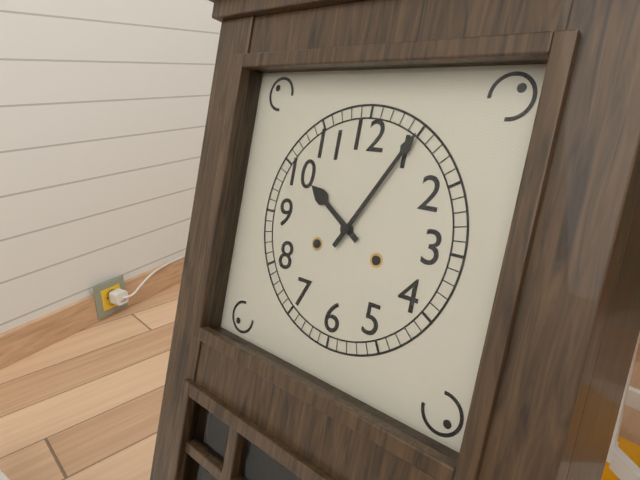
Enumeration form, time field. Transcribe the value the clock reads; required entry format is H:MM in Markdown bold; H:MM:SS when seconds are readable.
**10:05**
